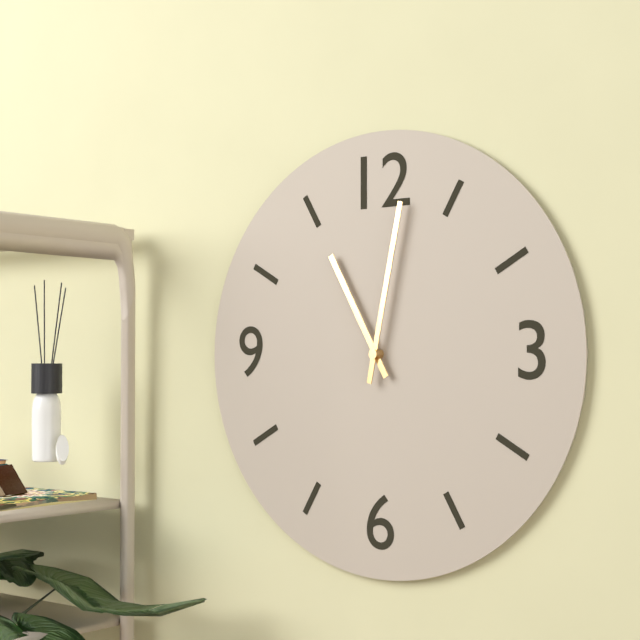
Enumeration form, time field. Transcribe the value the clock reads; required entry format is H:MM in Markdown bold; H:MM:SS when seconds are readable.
**11:02**
